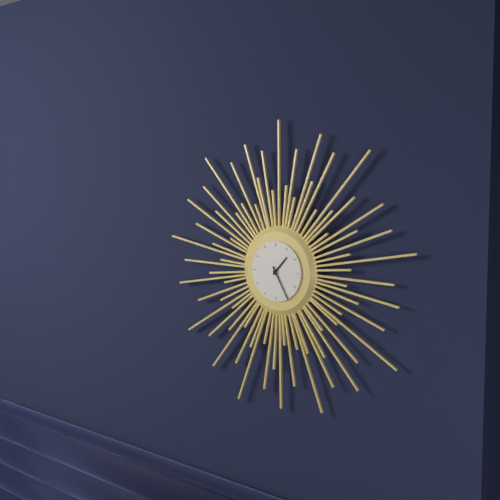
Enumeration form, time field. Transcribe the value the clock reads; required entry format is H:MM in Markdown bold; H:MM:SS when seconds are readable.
**1:25**
